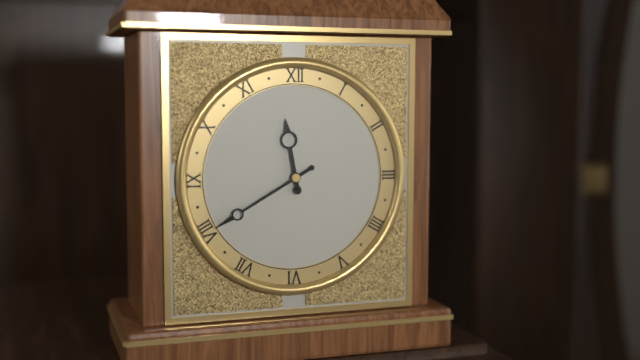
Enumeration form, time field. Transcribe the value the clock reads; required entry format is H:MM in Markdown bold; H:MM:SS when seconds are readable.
**11:40**
